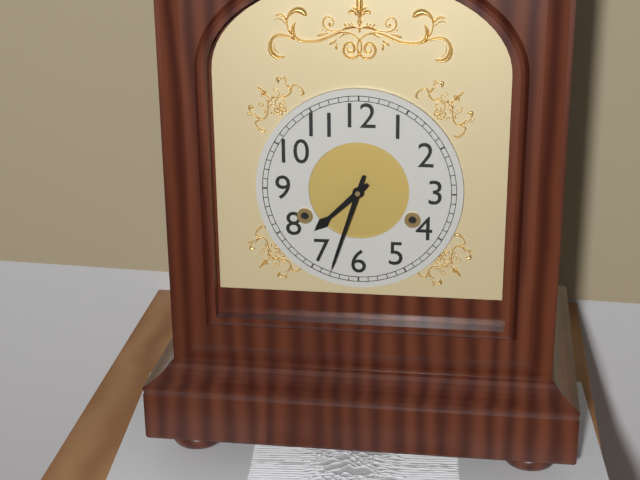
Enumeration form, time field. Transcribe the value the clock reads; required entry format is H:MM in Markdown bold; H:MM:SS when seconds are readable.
**7:33**
